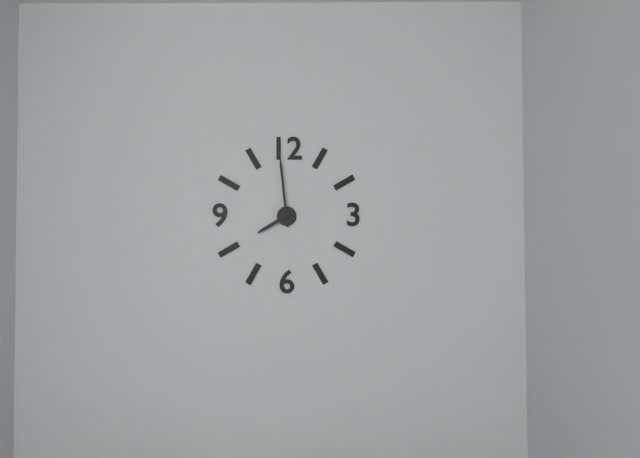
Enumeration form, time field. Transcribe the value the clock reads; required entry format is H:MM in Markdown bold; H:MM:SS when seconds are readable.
**7:59**
